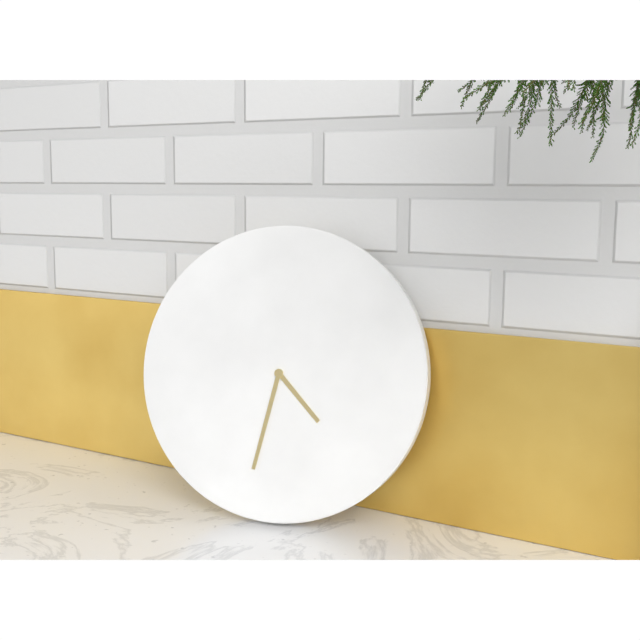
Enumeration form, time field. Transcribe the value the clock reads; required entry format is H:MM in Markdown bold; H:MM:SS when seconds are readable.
**4:32**
